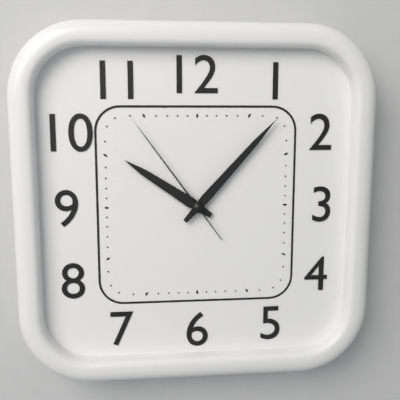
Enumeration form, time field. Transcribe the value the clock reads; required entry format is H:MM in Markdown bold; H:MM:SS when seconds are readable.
**10:07:54**
